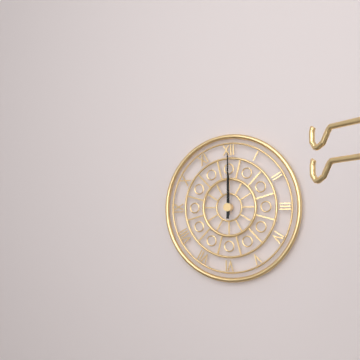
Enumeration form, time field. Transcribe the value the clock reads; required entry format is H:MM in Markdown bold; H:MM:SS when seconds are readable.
**12:00**
